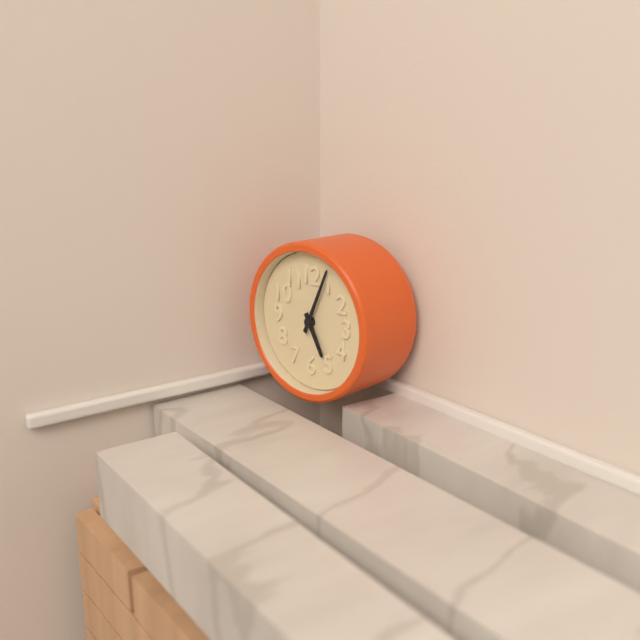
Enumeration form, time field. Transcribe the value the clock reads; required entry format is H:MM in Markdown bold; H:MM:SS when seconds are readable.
**5:04**
